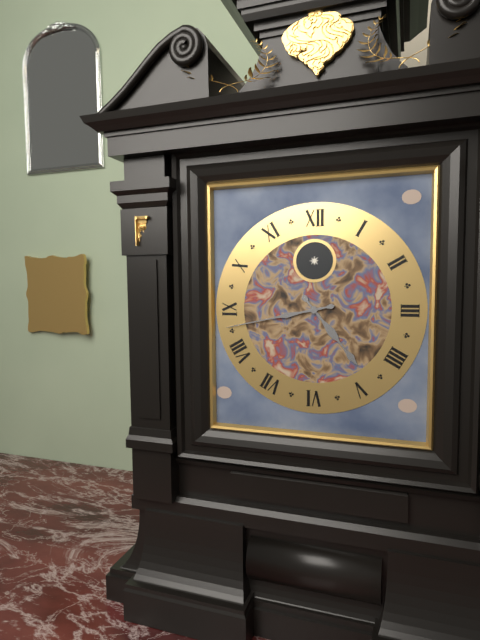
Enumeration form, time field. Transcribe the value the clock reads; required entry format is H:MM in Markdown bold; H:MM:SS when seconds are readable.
**4:43**
